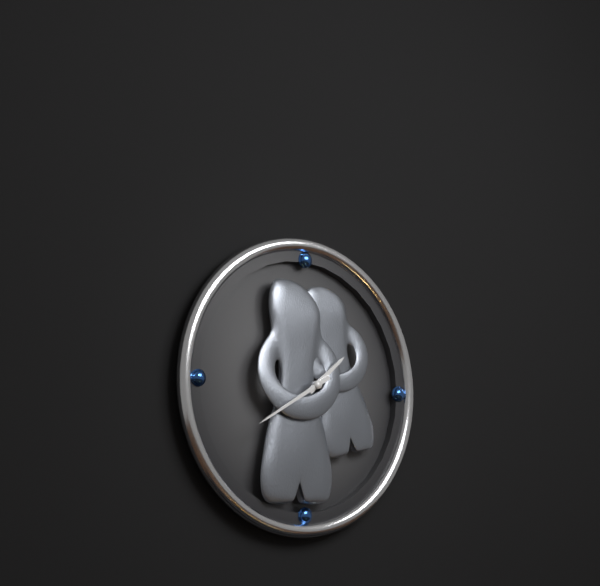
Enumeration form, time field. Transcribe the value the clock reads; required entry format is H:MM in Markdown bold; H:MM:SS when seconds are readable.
**1:40**
